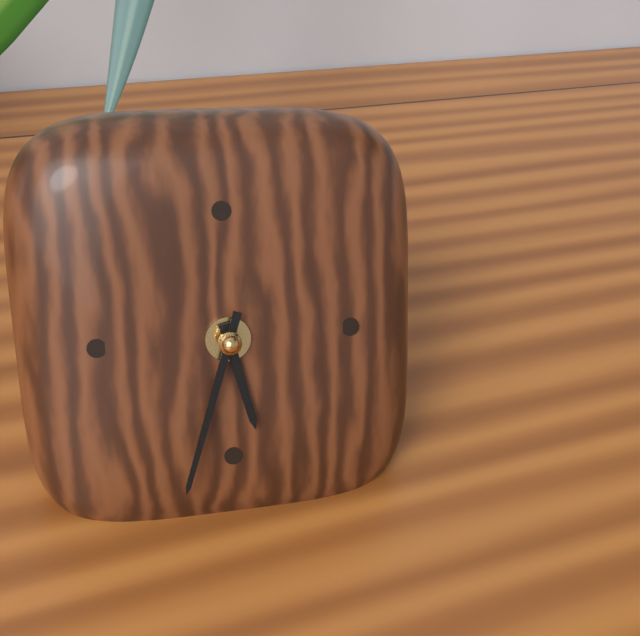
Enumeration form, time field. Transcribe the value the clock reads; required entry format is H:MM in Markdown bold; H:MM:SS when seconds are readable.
**5:33**
